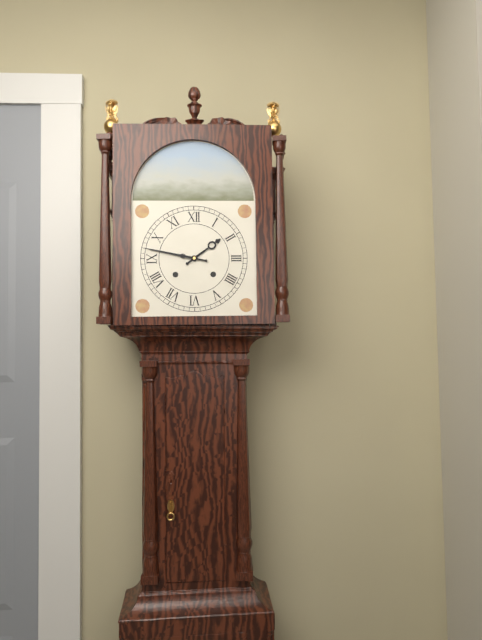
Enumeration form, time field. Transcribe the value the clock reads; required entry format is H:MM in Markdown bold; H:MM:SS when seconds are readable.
**1:47**
